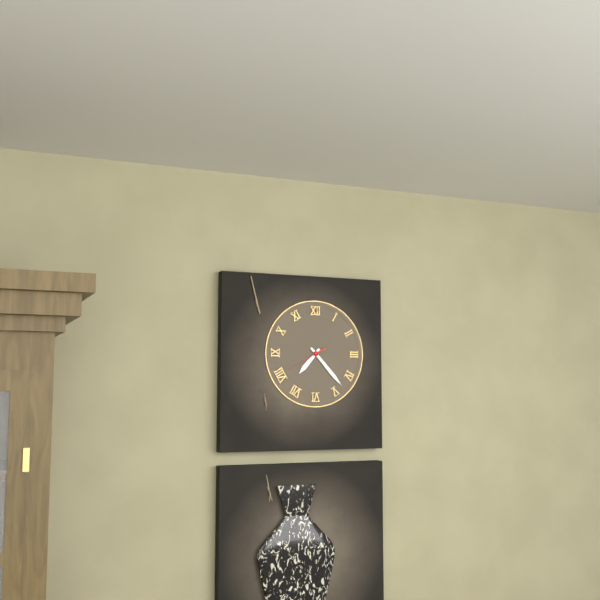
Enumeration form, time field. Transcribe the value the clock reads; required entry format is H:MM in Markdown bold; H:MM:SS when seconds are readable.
**7:23**
